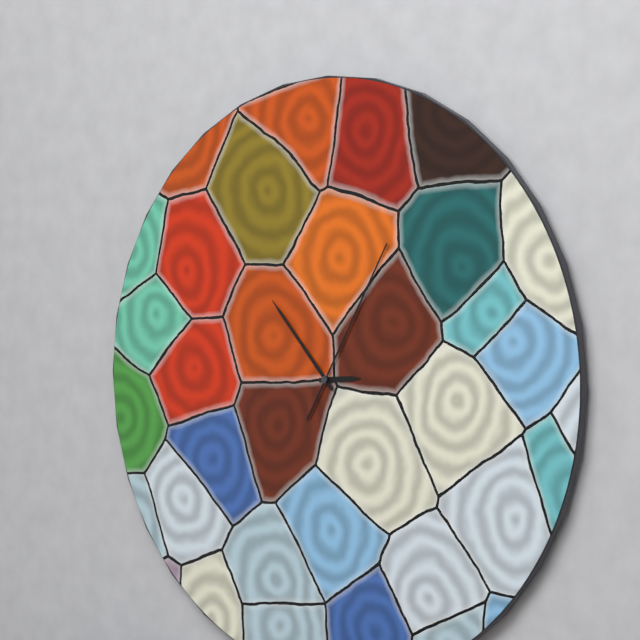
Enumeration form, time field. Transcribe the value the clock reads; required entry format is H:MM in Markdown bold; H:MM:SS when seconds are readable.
**2:53:05**
